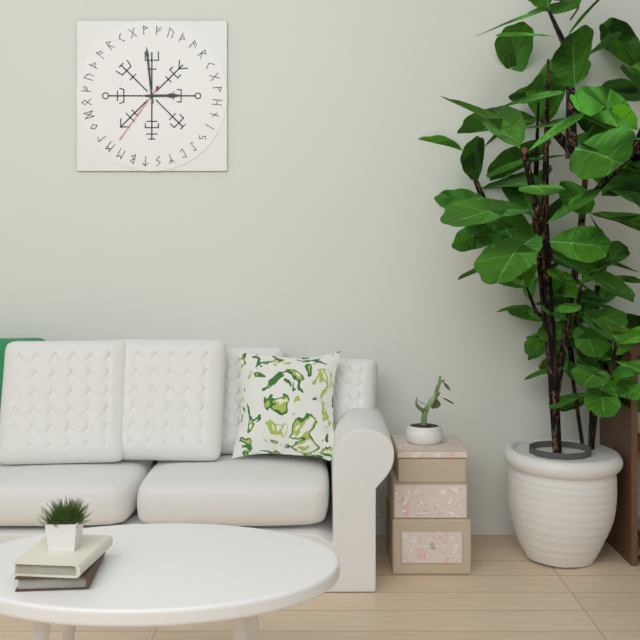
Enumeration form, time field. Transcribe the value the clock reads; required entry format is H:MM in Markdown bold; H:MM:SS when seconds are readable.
**2:59:36**
